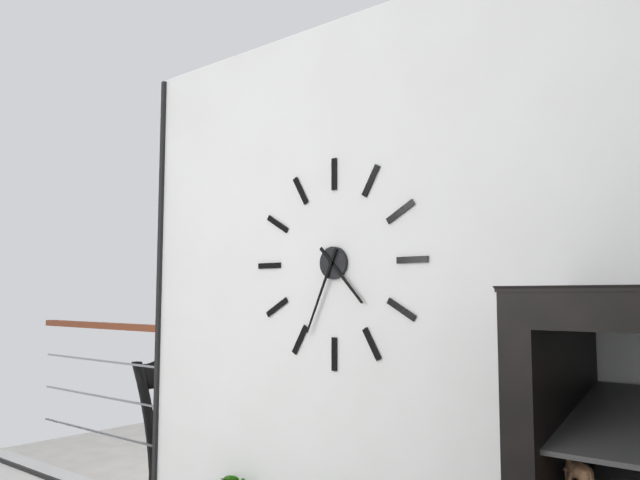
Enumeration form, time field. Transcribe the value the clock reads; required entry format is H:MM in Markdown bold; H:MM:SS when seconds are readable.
**4:34**
